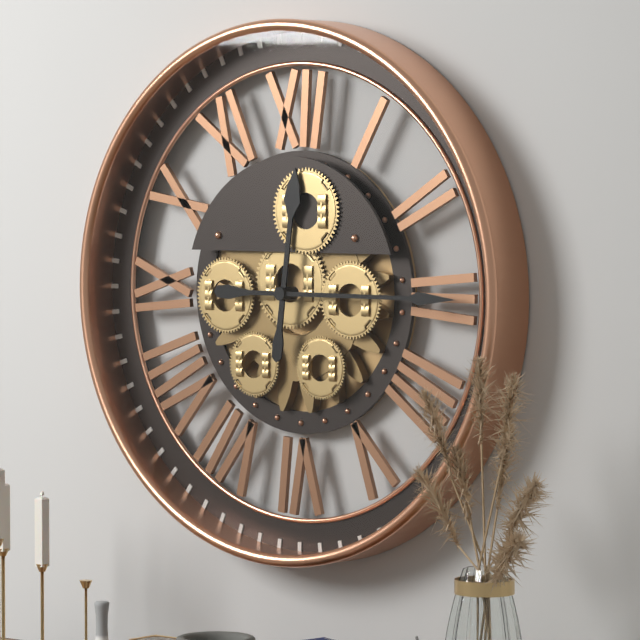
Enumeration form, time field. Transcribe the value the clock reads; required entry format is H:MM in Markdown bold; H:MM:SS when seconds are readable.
**12:15**
